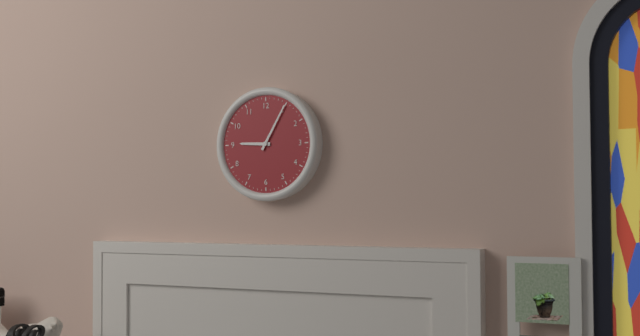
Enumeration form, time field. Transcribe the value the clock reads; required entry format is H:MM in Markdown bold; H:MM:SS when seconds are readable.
**9:05**
